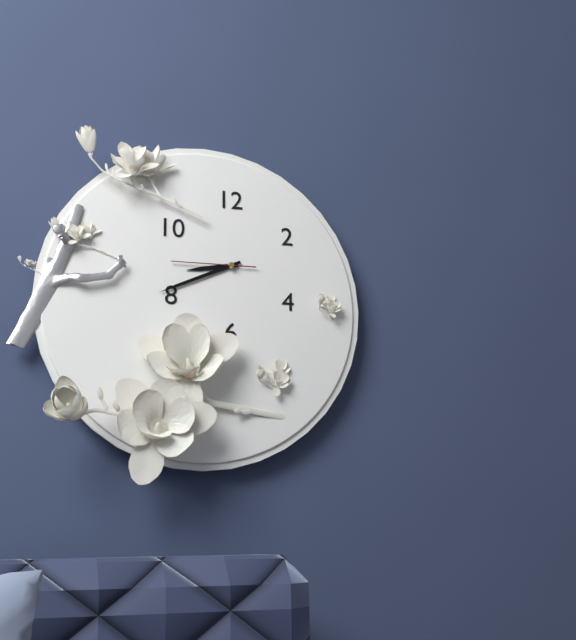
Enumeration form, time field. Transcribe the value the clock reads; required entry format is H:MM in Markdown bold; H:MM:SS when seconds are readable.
**8:41:45**
